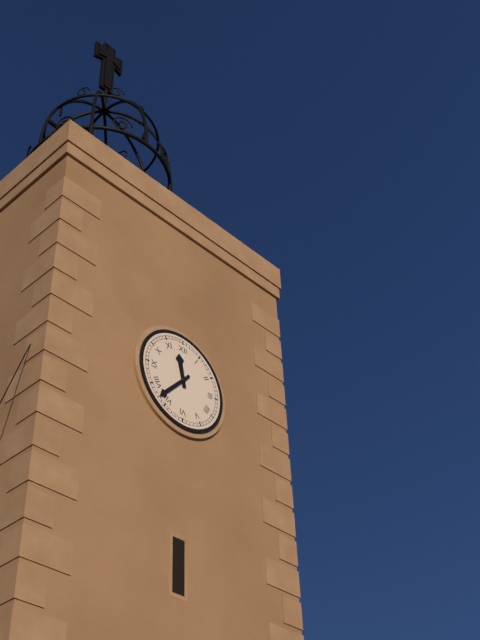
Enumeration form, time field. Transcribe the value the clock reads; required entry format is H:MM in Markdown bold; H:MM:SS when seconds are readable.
**11:37**
